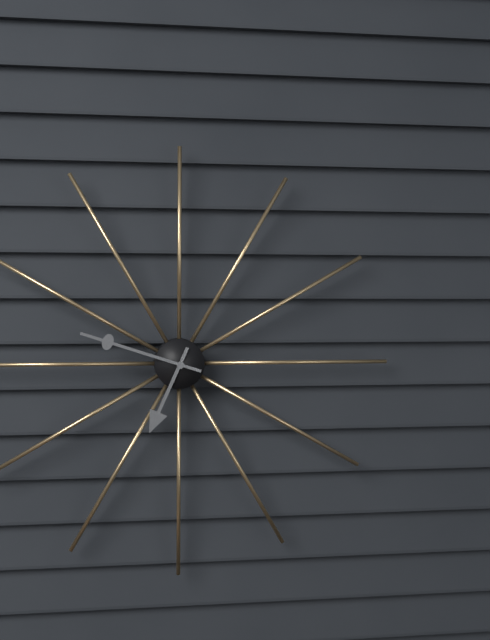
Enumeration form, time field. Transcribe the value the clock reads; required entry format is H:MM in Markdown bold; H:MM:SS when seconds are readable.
**6:48**
